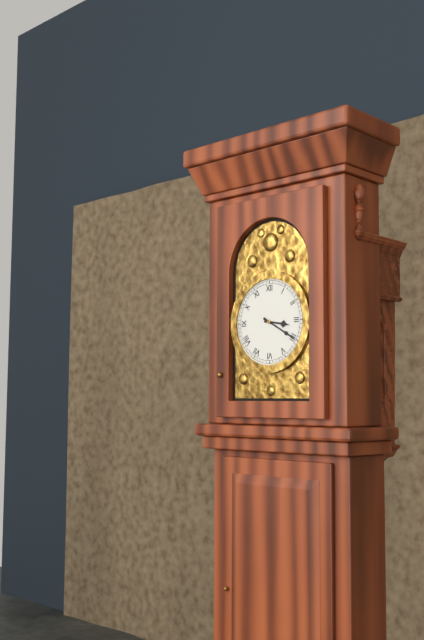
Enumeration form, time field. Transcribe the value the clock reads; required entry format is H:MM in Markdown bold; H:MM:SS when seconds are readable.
**3:20**
